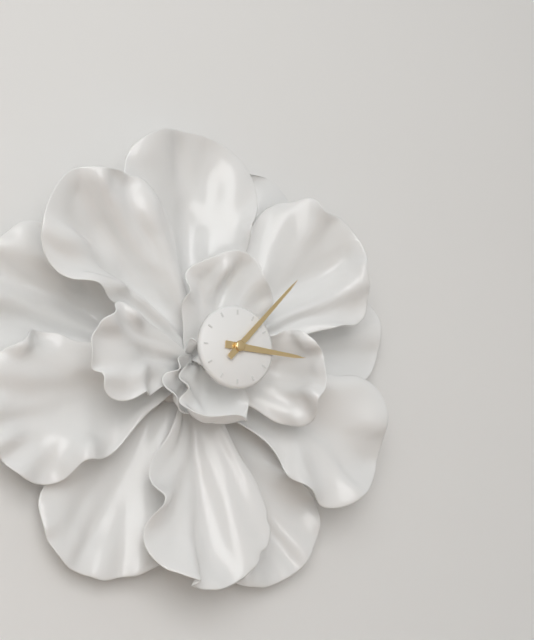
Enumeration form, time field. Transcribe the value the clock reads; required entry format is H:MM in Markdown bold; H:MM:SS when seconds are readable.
**3:07**
